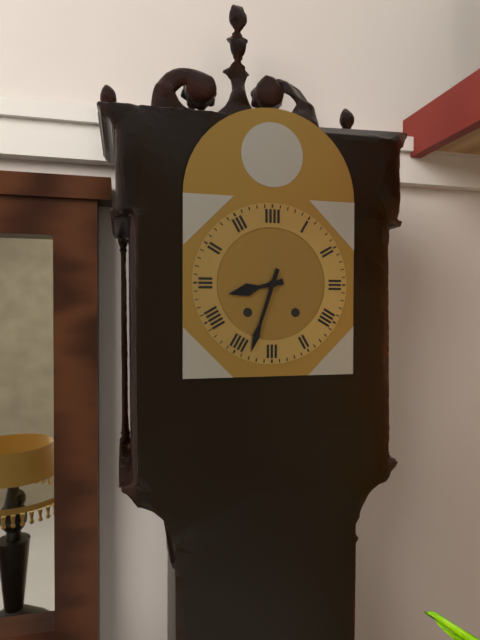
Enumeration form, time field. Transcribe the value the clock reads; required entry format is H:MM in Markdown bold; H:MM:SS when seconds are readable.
**8:33**
